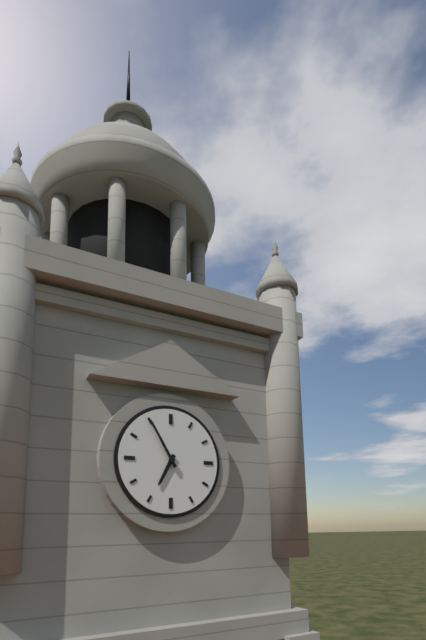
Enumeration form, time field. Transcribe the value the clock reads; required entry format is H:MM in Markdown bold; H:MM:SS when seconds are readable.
**6:55**
